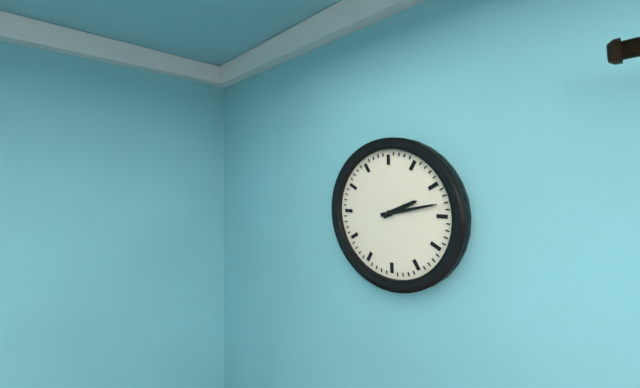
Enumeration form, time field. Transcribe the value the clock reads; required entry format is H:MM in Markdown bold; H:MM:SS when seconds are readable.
**2:13**
